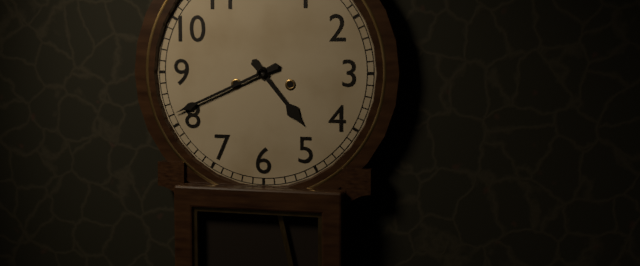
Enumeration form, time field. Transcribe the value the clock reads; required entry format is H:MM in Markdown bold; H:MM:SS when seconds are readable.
**4:41**
